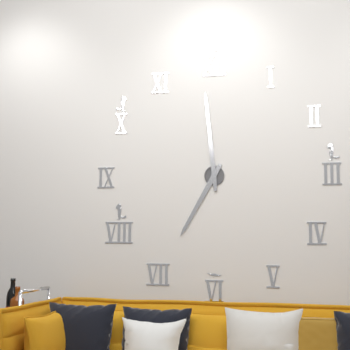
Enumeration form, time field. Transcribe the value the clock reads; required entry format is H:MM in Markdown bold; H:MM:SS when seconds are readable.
**6:59**
